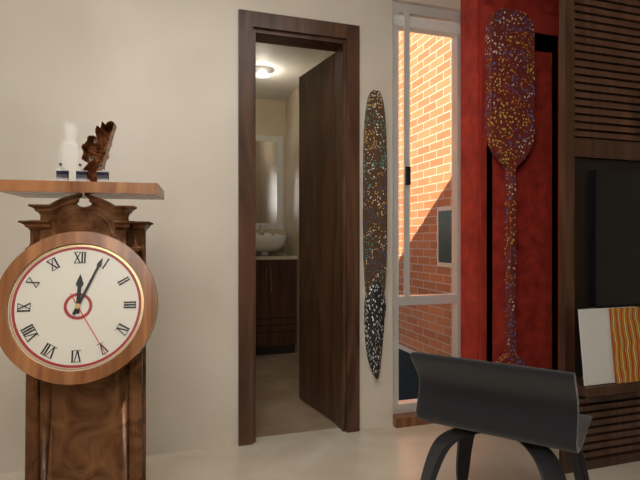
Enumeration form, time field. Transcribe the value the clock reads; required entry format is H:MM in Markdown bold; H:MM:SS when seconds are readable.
**12:04:25**
